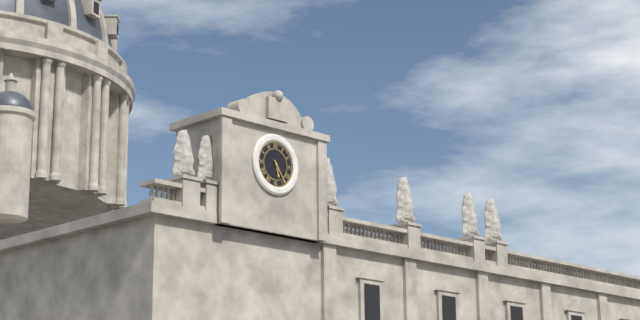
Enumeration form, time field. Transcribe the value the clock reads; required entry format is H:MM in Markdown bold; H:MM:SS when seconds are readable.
**5:24**
